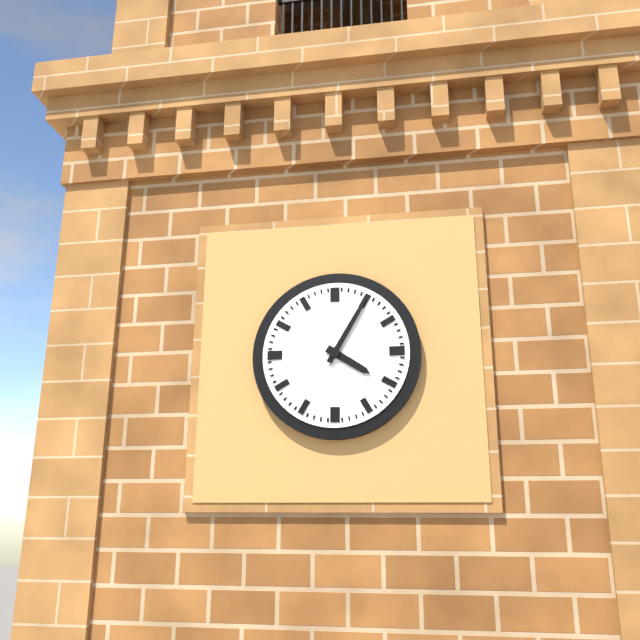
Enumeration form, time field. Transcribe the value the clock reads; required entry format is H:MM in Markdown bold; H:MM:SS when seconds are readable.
**4:05**
